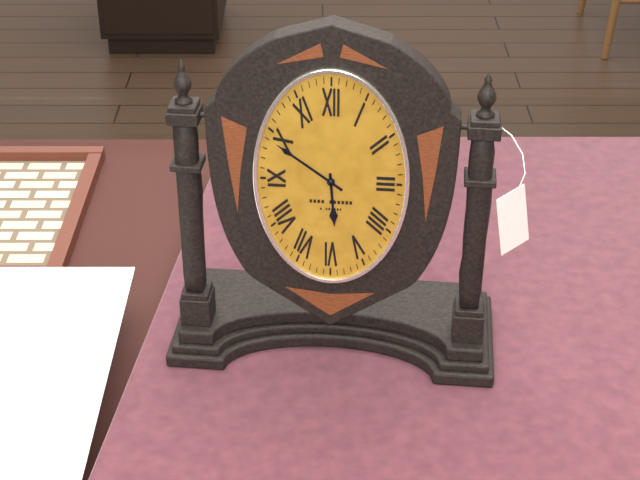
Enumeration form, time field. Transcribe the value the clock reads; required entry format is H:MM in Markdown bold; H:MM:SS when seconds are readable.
**5:51**
